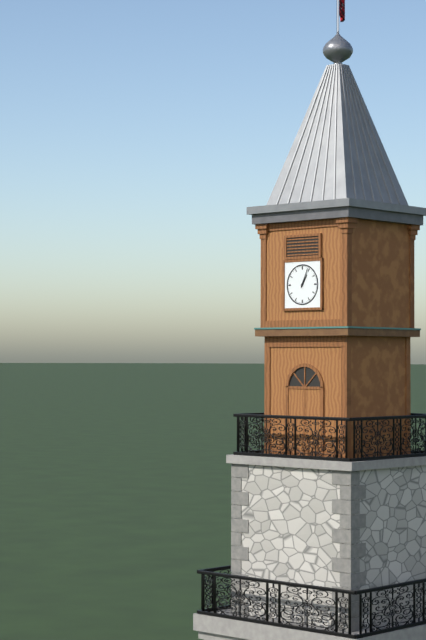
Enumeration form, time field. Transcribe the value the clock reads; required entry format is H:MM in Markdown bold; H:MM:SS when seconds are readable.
**1:04**
